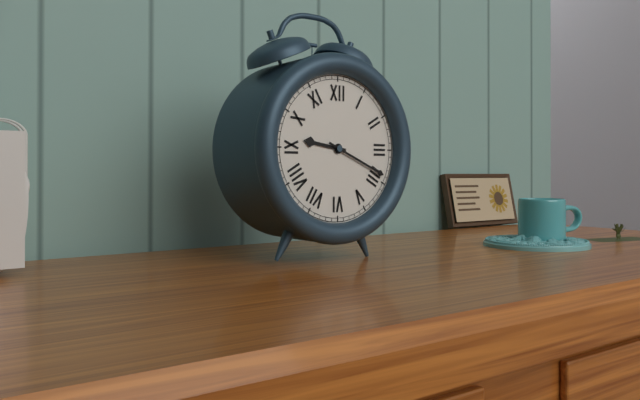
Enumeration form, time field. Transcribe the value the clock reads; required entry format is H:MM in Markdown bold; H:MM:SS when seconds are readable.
**9:19**
